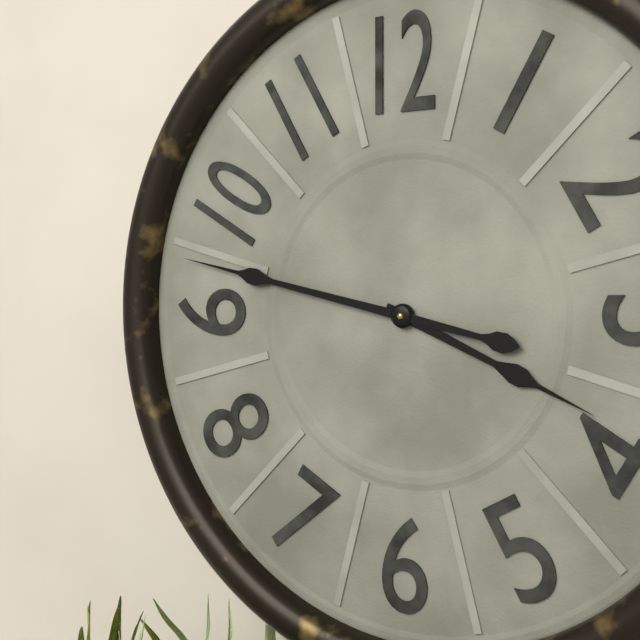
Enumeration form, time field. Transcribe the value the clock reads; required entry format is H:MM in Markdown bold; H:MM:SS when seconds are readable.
**3:47**
